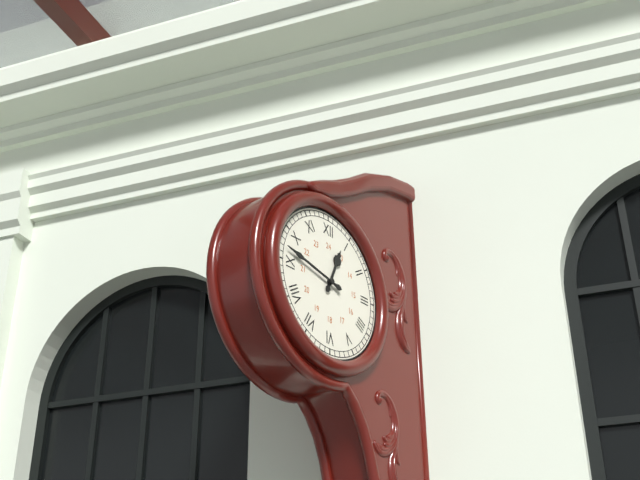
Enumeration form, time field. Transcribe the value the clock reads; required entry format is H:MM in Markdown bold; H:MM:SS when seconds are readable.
**12:47**
